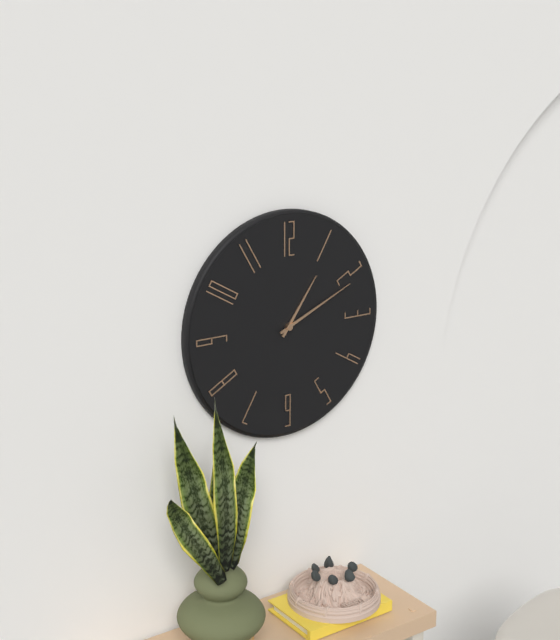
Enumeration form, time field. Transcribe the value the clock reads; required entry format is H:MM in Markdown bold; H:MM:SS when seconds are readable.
**1:11**
